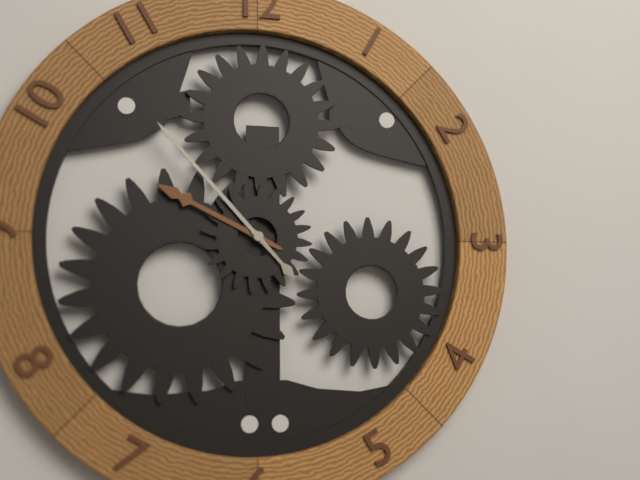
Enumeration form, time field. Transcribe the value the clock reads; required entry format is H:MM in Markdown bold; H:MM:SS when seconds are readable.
**9:53**
